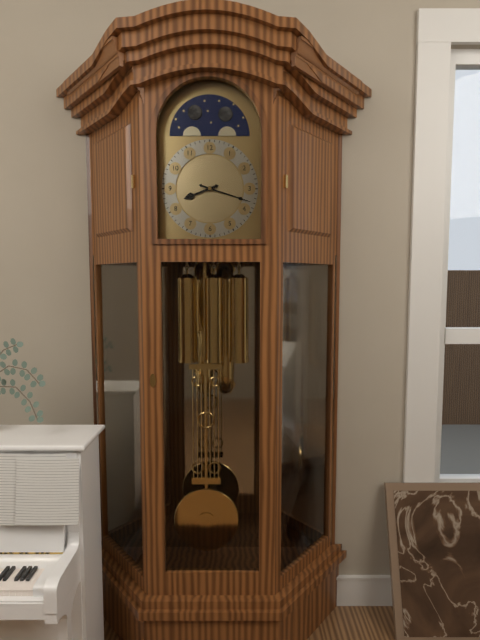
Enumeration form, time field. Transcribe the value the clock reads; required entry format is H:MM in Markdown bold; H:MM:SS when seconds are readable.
**8:18**
